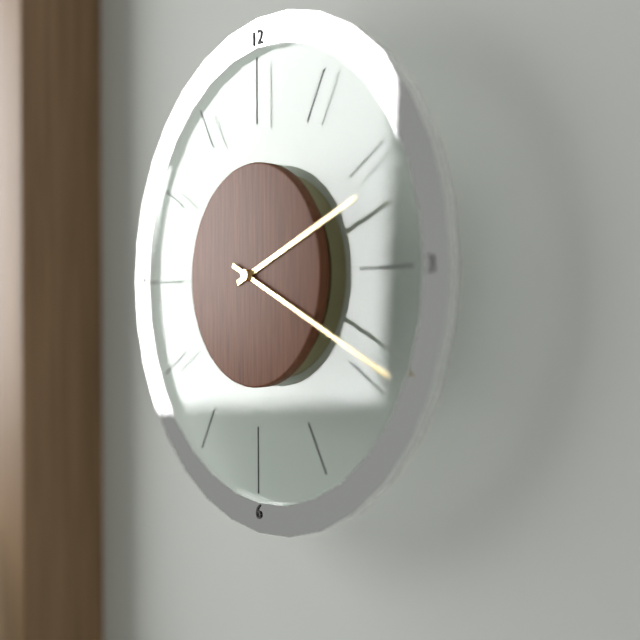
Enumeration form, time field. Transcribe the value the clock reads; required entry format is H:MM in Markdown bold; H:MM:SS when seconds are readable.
**2:19**
